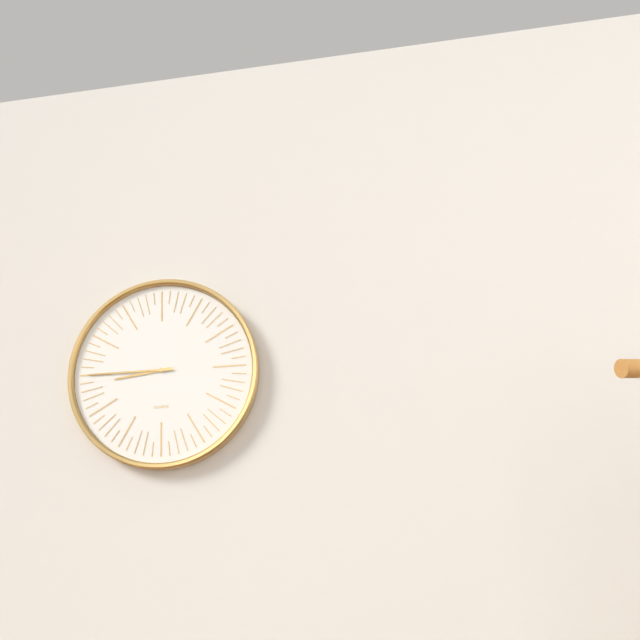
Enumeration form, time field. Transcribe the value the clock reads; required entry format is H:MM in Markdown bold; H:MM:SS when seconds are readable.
**8:45**
